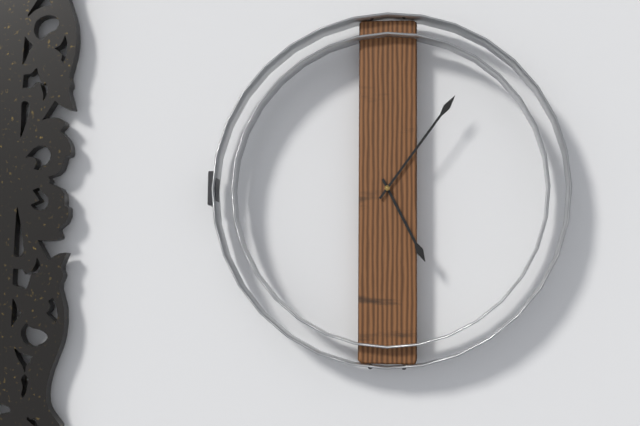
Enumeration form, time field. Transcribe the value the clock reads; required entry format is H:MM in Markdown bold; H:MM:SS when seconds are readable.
**5:06**
